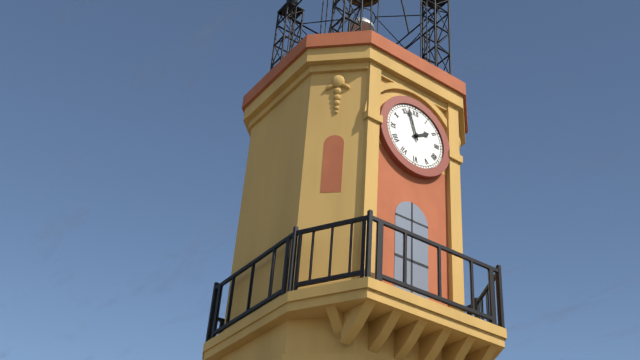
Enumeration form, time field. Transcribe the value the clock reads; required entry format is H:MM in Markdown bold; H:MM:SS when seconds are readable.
**1:57**
